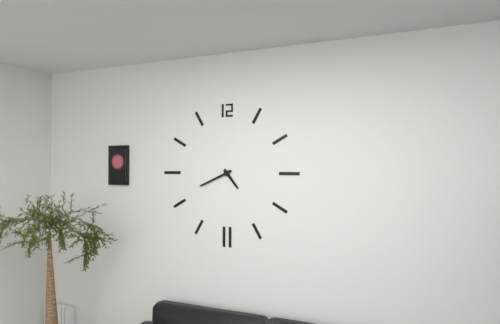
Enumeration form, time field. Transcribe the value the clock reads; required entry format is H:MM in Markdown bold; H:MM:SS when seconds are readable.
**4:41**
